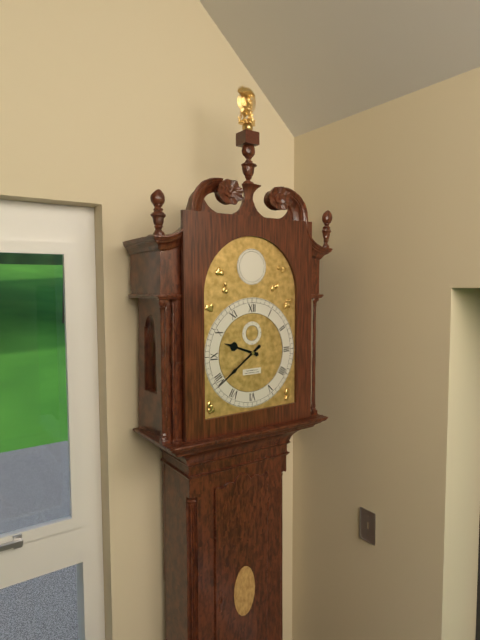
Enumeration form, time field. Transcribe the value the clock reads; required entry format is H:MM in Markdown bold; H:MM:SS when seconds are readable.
**9:39**
